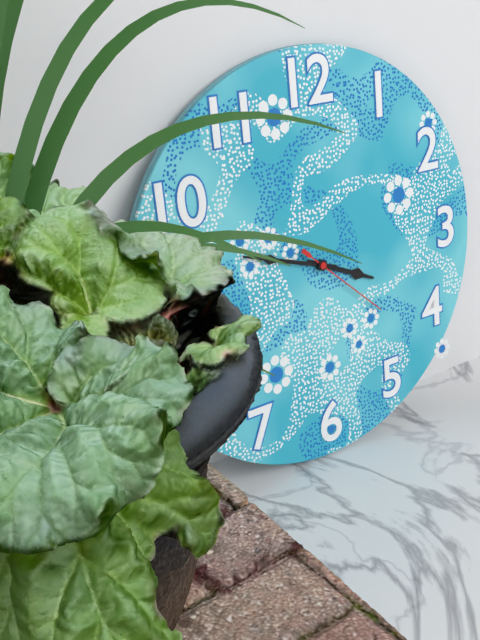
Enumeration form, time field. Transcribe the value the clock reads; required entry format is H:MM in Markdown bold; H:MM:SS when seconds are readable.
**3:48:22**
